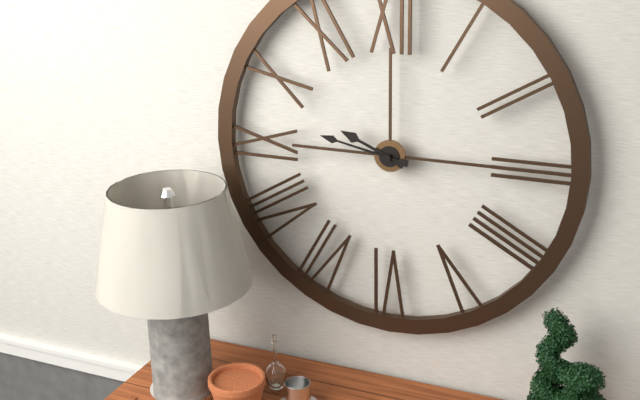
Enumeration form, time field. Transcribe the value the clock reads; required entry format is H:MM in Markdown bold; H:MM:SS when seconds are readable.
**9:47**
